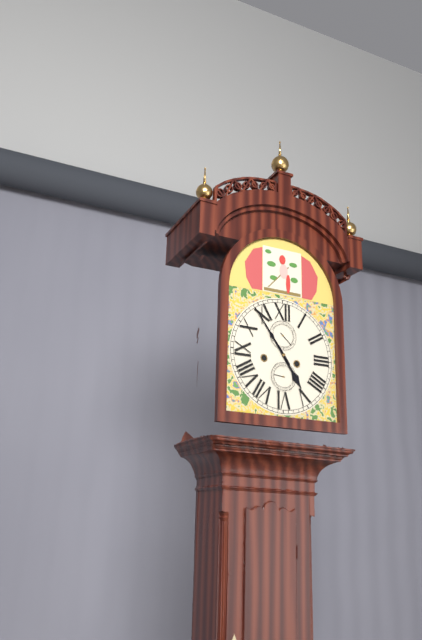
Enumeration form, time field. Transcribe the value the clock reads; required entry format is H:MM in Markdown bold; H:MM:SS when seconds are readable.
**4:54**
